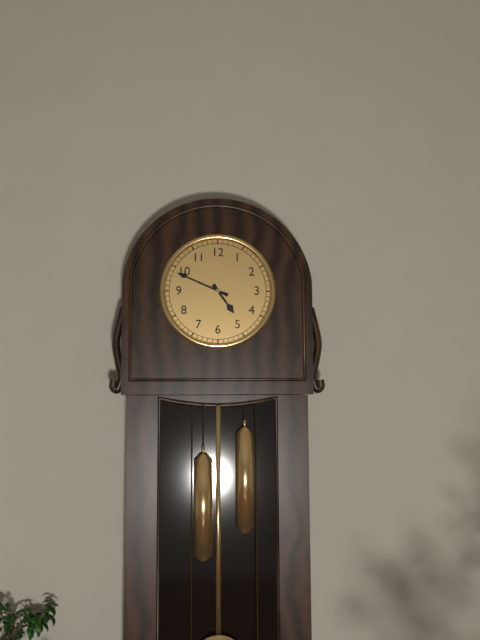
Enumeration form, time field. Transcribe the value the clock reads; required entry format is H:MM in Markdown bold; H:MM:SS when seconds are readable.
**4:49**
